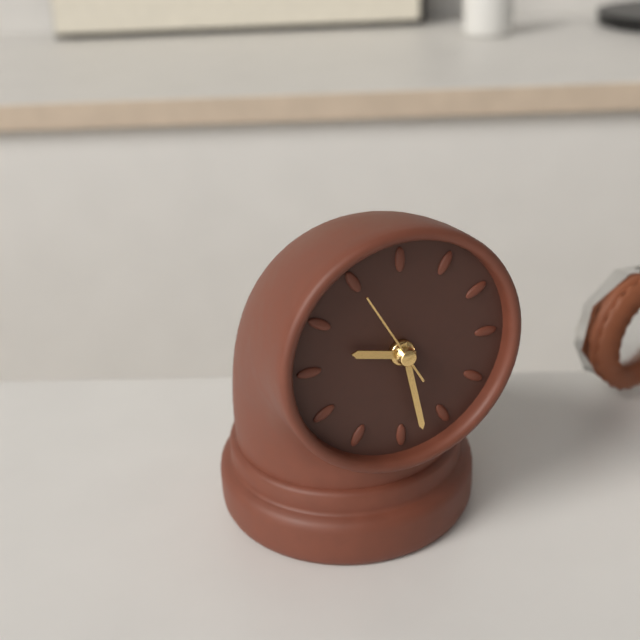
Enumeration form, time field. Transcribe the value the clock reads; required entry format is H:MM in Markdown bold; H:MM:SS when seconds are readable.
**9:28:55**
